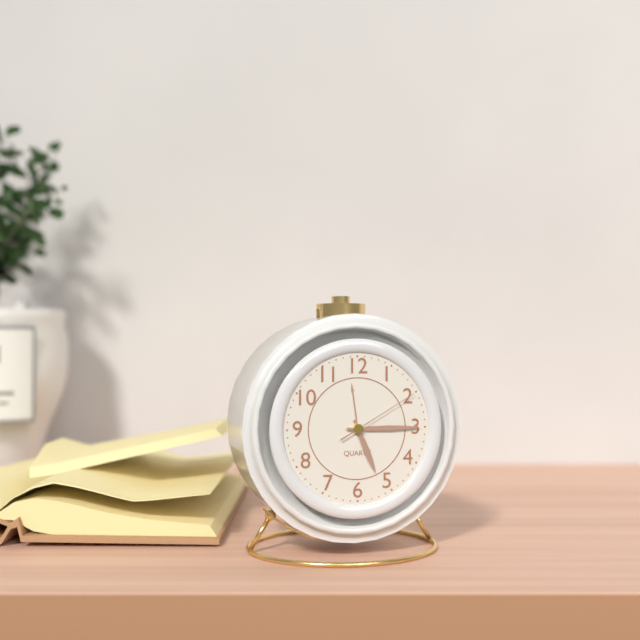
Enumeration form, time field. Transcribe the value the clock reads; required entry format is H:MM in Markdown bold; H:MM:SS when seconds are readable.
**5:15:10**
